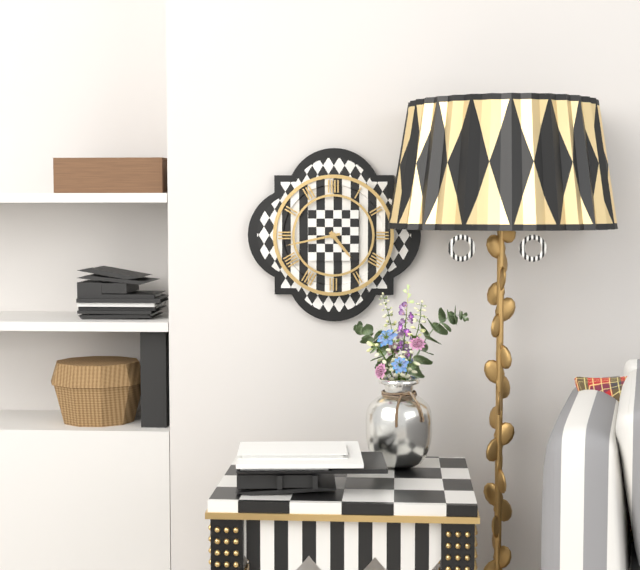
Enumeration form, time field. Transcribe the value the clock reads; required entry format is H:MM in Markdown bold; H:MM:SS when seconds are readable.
**4:43**
